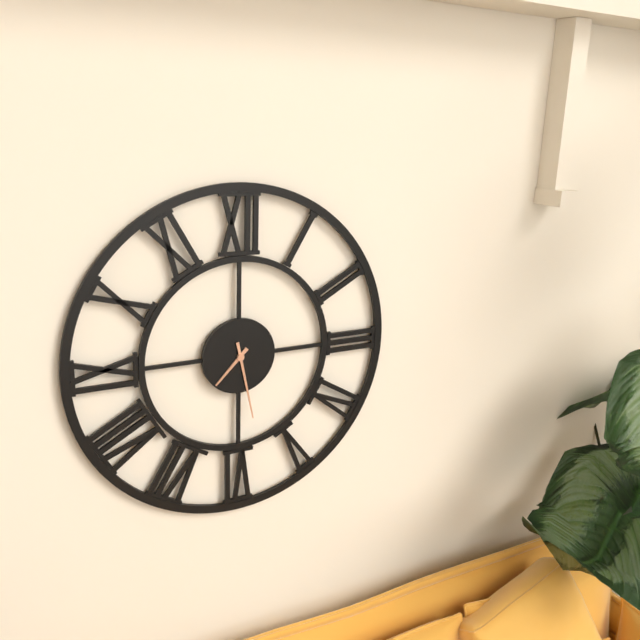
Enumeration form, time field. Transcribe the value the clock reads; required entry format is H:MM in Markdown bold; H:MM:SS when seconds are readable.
**7:28**
